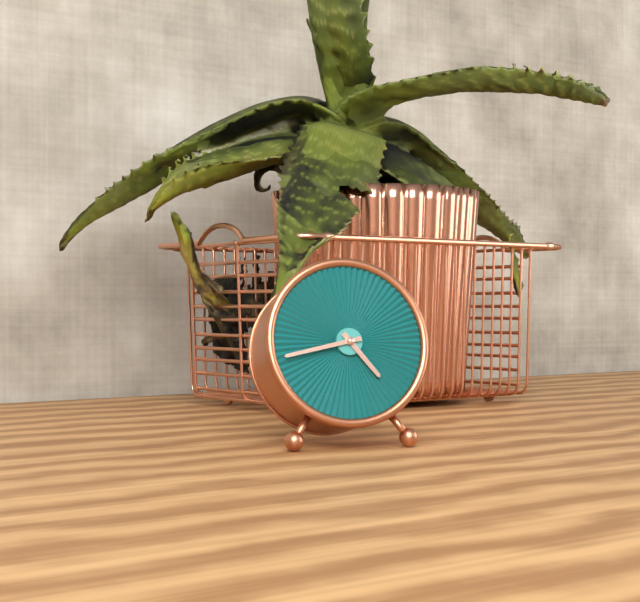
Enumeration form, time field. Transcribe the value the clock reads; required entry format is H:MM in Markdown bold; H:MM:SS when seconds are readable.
**4:43**
